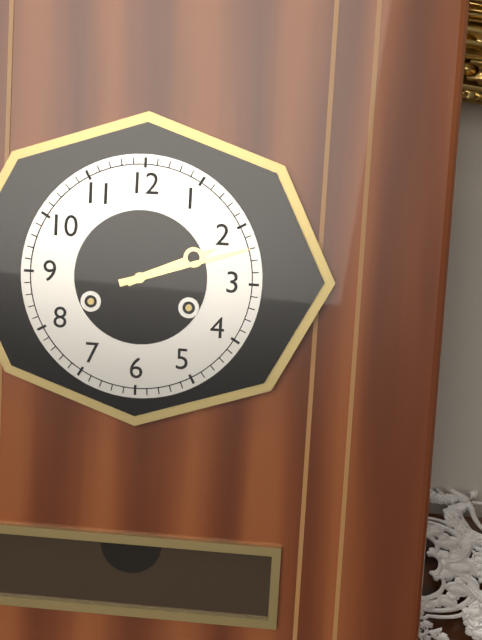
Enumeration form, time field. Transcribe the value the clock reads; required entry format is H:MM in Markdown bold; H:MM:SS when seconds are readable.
**2:12**
